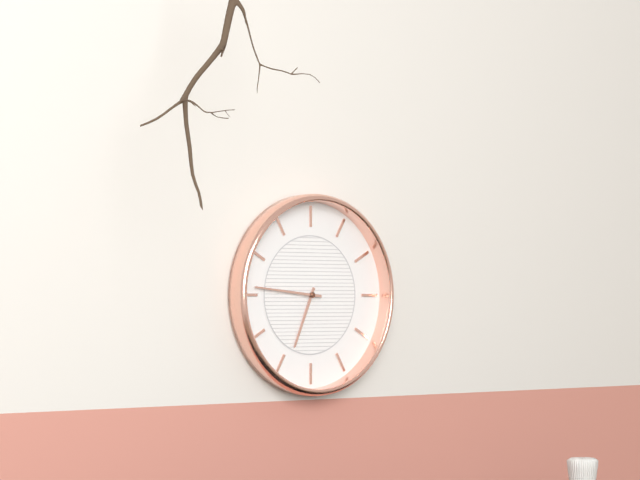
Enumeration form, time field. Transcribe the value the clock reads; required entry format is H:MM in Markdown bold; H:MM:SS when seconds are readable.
**6:46**
